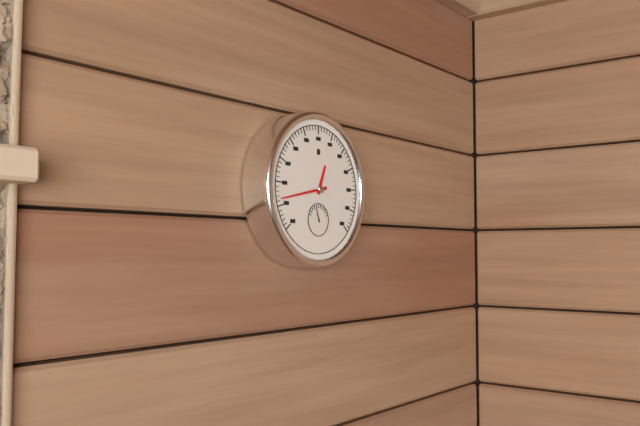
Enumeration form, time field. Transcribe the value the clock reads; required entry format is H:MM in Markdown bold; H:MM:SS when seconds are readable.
**12:43**
